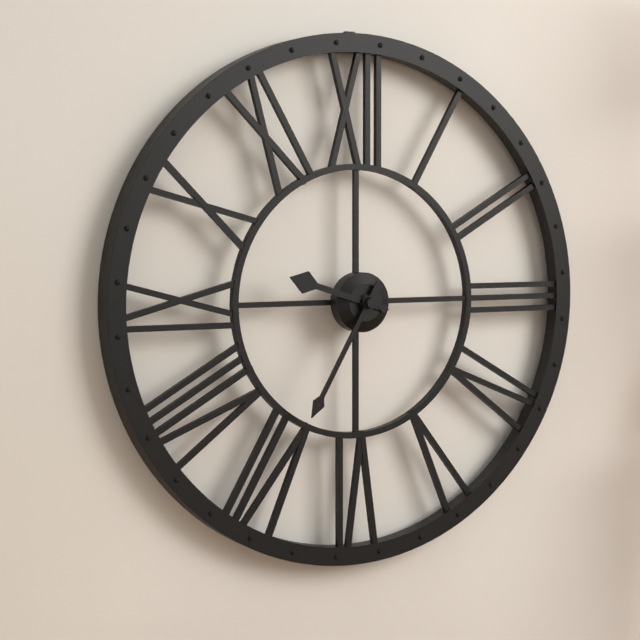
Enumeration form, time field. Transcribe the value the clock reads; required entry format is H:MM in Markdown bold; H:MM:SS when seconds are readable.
**9:35**
